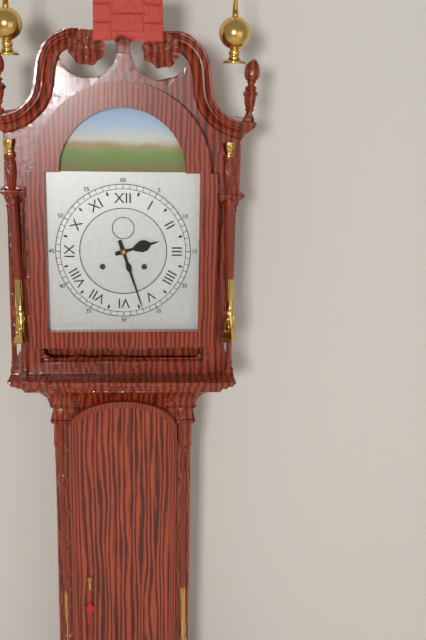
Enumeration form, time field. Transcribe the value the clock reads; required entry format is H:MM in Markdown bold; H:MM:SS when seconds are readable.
**2:27**
